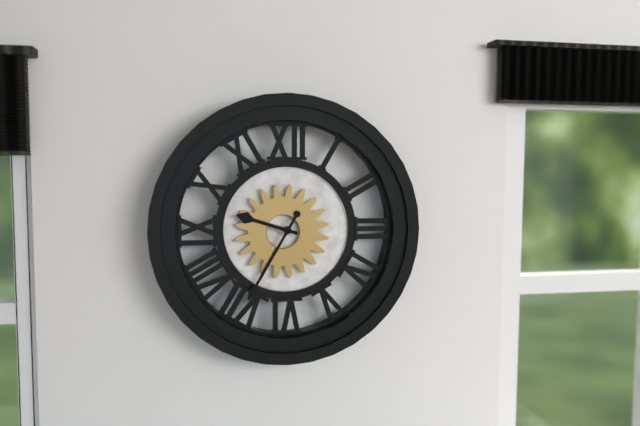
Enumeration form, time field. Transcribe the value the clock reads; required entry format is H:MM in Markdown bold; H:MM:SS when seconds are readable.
**9:35**
